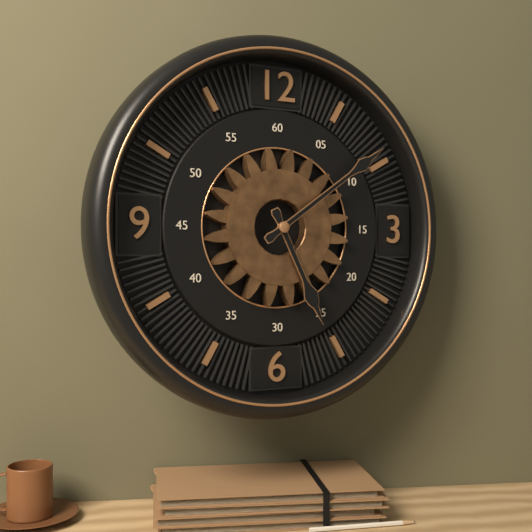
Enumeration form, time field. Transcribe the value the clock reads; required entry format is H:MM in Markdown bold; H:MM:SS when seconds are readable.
**5:09**
